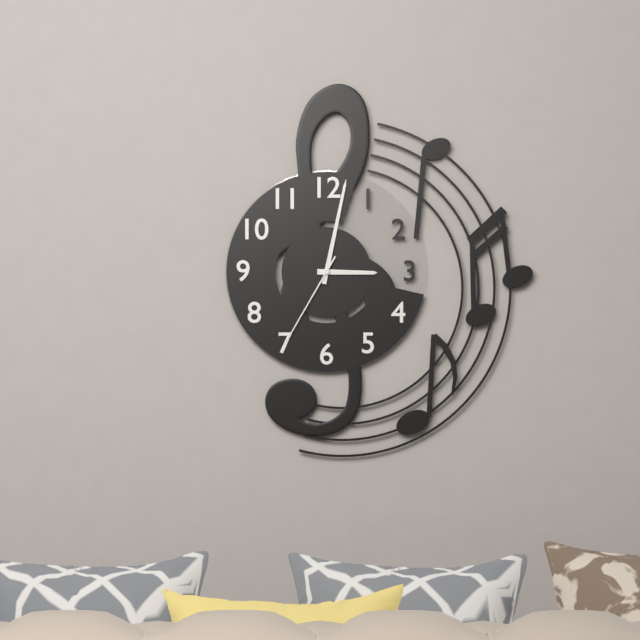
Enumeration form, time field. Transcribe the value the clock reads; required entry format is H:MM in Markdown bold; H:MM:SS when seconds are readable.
**3:02:35**
